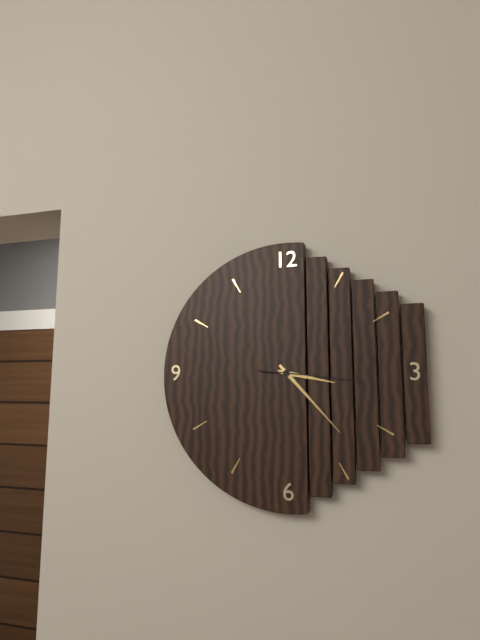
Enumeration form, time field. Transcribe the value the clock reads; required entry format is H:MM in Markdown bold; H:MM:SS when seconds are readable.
**3:23:16**
